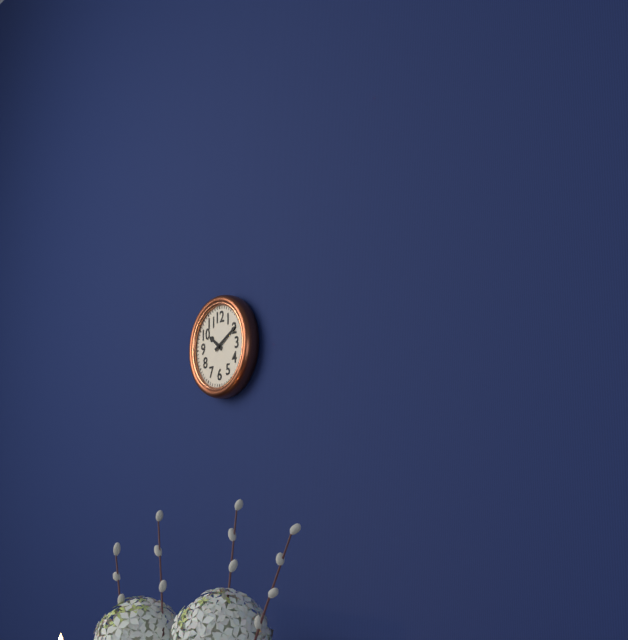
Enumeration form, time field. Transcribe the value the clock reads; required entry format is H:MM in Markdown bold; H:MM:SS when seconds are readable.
**10:10**
